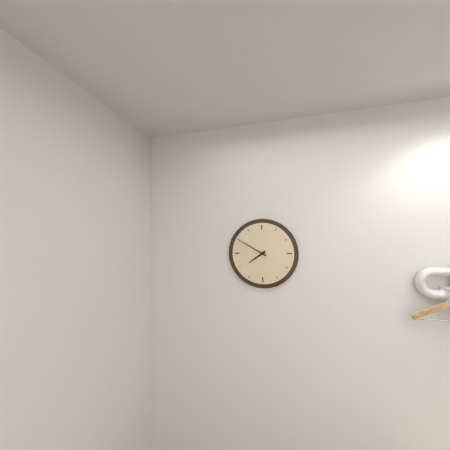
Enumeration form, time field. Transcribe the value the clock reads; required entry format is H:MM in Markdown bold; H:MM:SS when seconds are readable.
**7:50**
